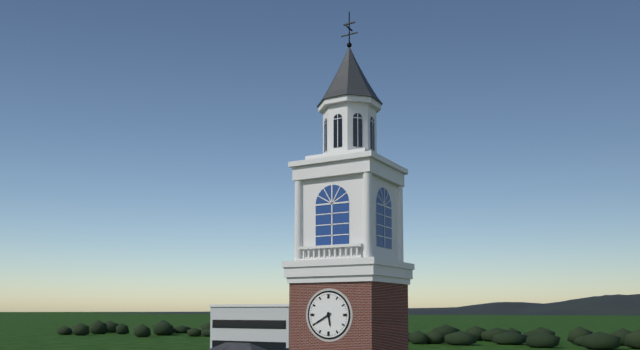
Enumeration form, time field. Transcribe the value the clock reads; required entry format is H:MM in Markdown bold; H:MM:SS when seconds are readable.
**5:40**
